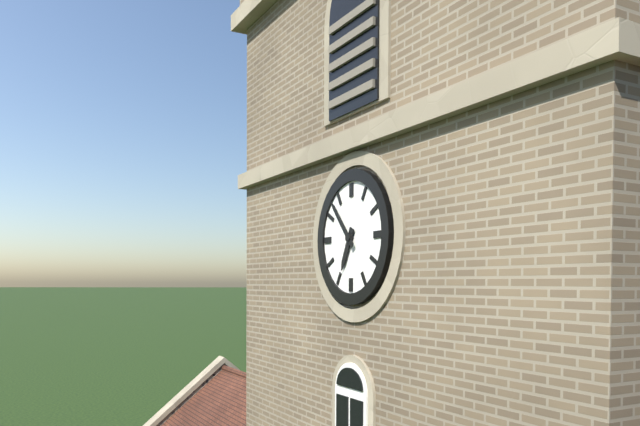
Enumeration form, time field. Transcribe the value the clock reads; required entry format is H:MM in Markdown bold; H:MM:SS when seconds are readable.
**6:53**
